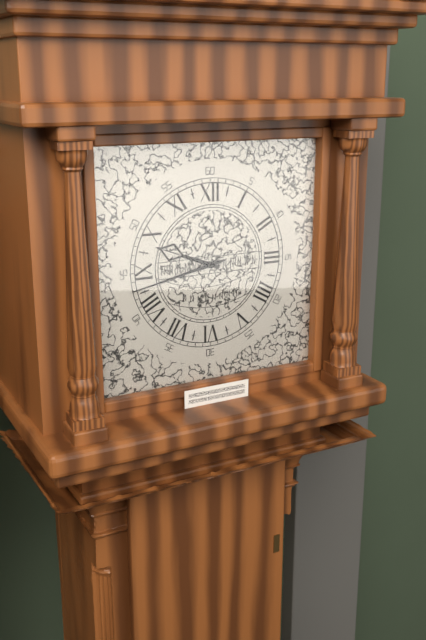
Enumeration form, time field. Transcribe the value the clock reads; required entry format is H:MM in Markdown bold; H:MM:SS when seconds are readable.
**9:43**
